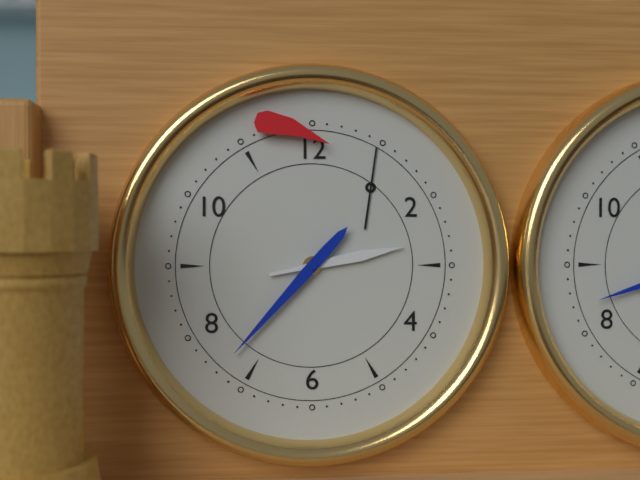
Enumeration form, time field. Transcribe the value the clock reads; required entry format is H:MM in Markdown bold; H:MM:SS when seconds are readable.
**2:37**
